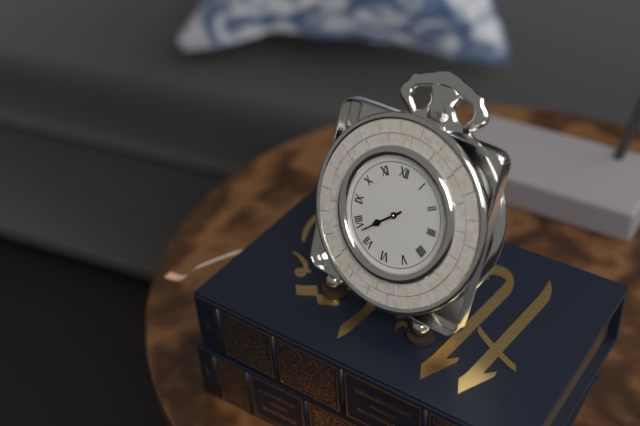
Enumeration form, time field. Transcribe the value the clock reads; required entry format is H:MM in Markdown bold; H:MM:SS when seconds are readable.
**7:38**
